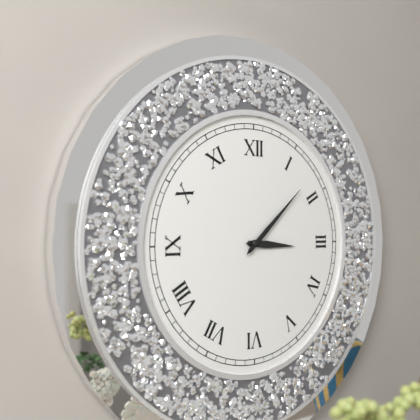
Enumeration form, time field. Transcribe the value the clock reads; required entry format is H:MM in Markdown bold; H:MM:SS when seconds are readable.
**3:08**
